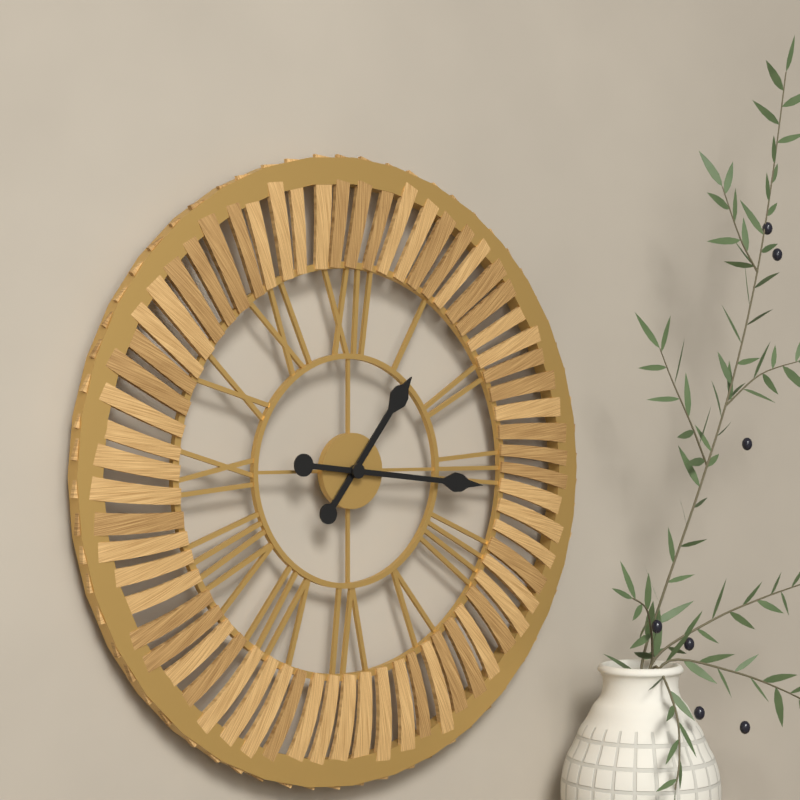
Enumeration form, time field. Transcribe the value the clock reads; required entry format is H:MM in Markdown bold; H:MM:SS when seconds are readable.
**1:16**
